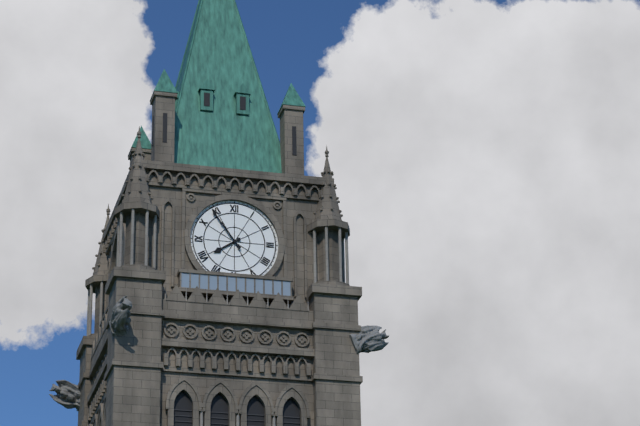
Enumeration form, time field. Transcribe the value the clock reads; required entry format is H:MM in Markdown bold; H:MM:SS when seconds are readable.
**7:54**
